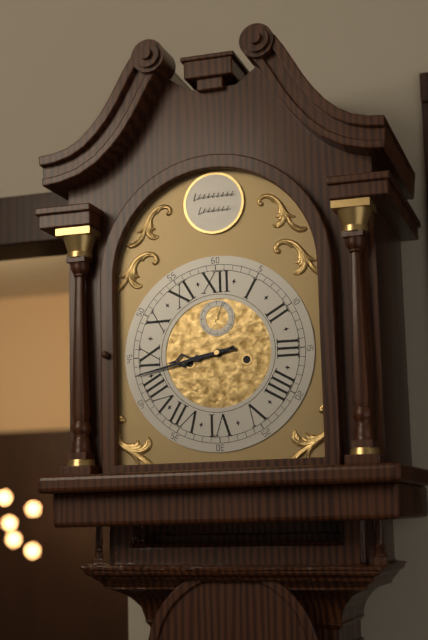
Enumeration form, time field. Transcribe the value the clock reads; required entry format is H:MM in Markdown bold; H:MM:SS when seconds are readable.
**8:43**
